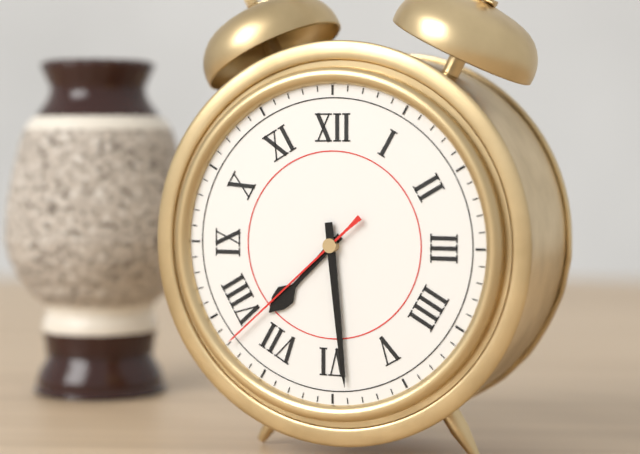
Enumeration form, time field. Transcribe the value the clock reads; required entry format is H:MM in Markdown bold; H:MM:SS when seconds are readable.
**7:29:38**
